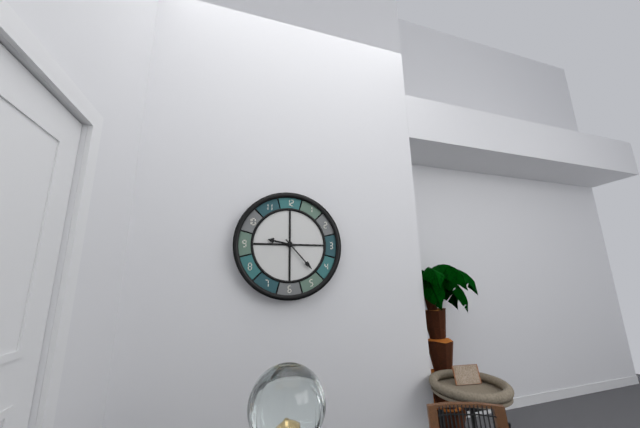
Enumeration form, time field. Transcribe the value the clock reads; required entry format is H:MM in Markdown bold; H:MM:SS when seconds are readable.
**9:23**
